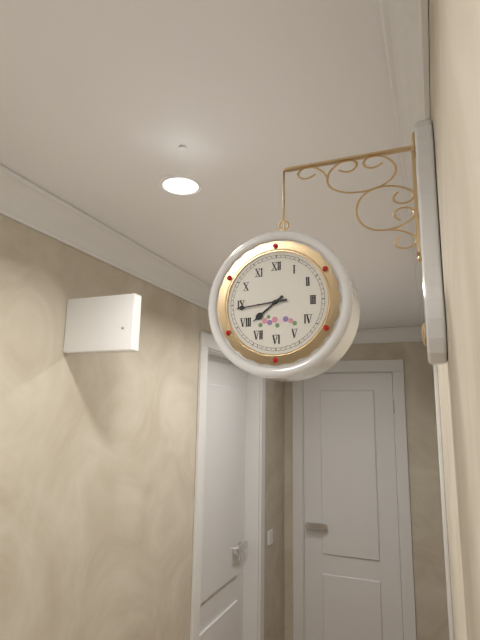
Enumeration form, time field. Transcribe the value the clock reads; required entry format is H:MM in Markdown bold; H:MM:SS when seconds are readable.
**7:44**
